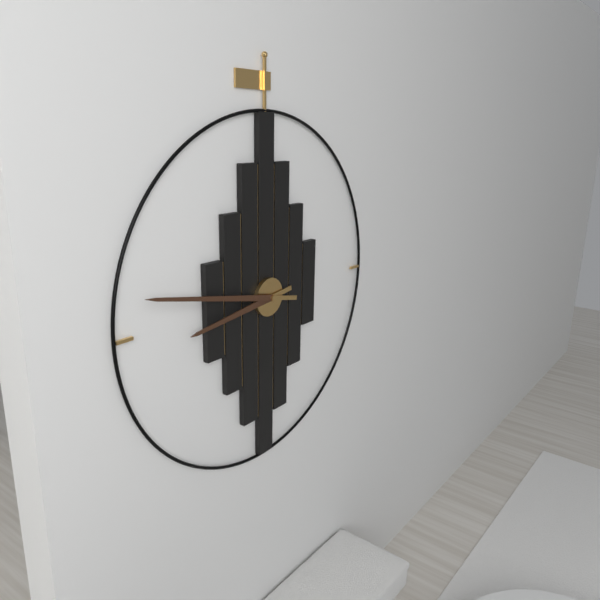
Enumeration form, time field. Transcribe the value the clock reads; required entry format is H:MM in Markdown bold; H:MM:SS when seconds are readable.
**8:47**
